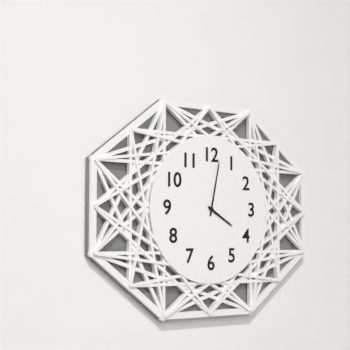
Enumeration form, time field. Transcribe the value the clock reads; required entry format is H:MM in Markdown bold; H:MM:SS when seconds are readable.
**4:02**
